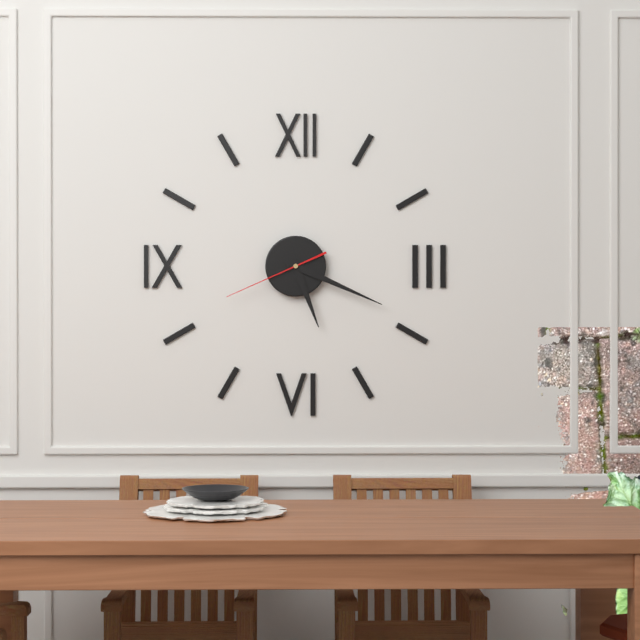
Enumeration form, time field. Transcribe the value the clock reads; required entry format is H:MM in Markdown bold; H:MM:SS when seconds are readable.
**5:19:41**
